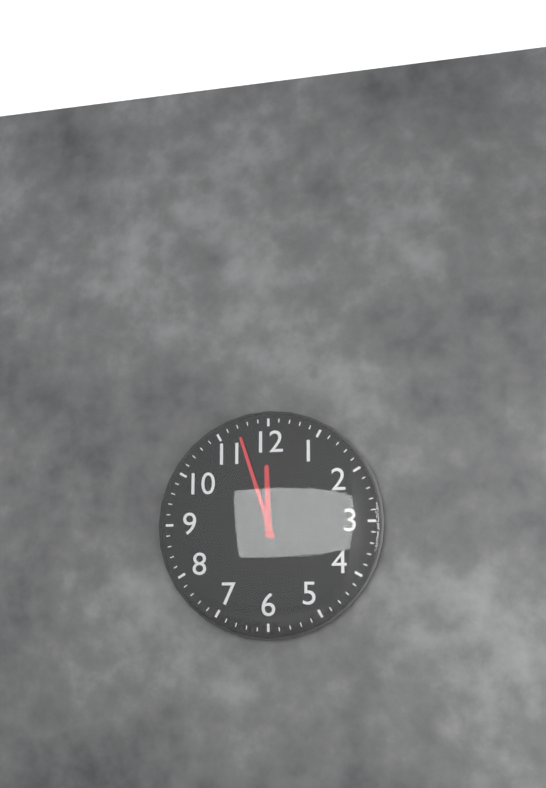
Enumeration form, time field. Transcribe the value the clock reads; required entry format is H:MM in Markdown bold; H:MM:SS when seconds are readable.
**11:57**
